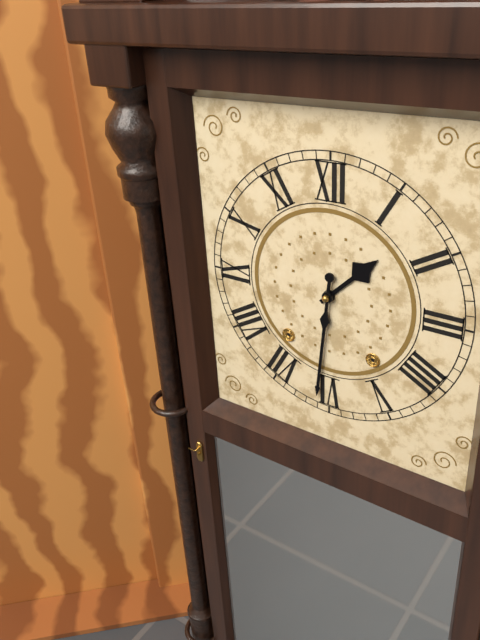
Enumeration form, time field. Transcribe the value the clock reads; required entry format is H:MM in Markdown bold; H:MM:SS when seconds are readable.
**1:31**
